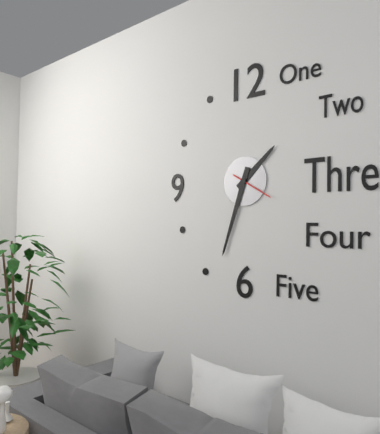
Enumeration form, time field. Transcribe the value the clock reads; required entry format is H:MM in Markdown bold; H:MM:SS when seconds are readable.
**1:33**
